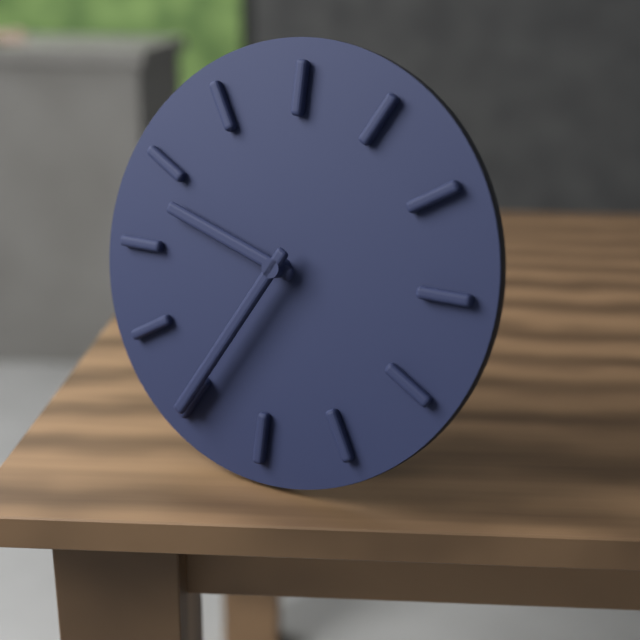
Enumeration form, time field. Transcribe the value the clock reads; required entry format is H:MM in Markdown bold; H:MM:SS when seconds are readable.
**9:35**
